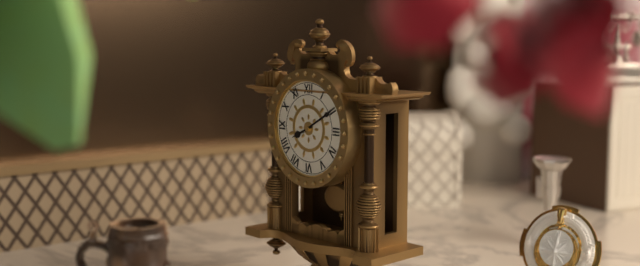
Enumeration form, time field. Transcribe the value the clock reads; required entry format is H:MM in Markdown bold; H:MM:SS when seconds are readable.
**8:10**
